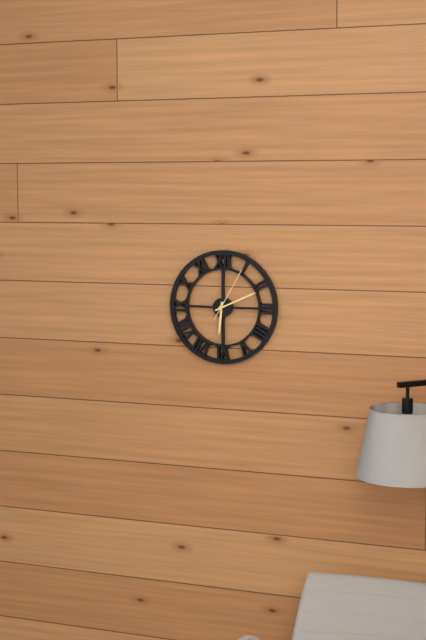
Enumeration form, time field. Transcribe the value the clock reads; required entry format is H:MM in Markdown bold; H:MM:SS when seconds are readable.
**6:11:05**
